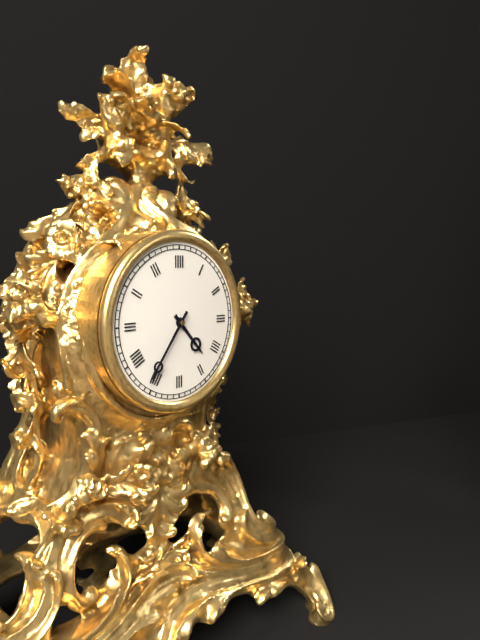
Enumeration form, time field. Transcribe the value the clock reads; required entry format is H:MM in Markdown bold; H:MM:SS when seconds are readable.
**4:36**
